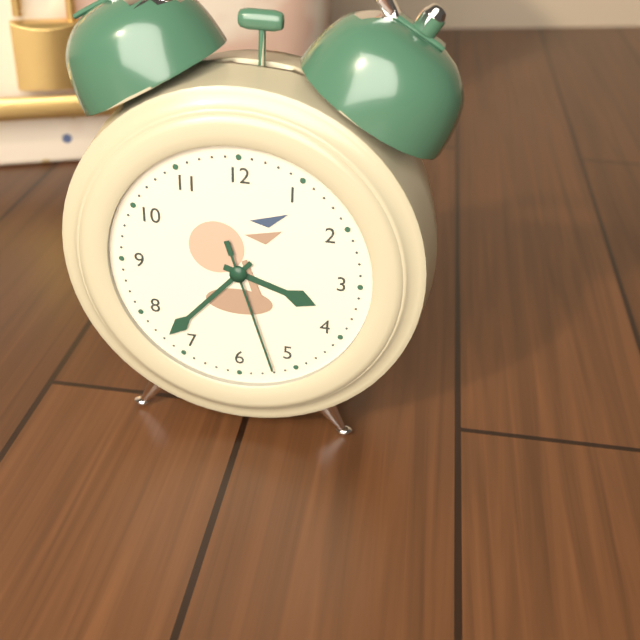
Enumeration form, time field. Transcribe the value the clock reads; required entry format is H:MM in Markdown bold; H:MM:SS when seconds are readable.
**3:37:27**
